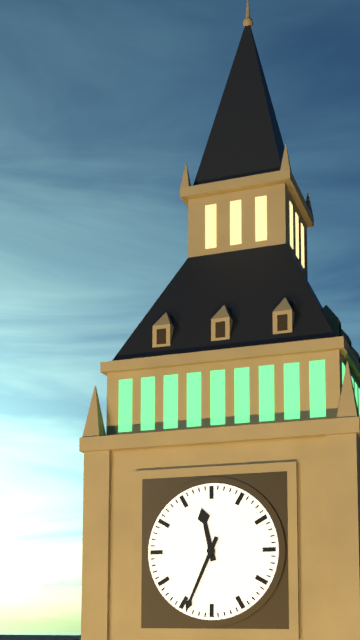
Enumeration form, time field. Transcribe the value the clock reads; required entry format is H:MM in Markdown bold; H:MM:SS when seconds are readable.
**11:34**
